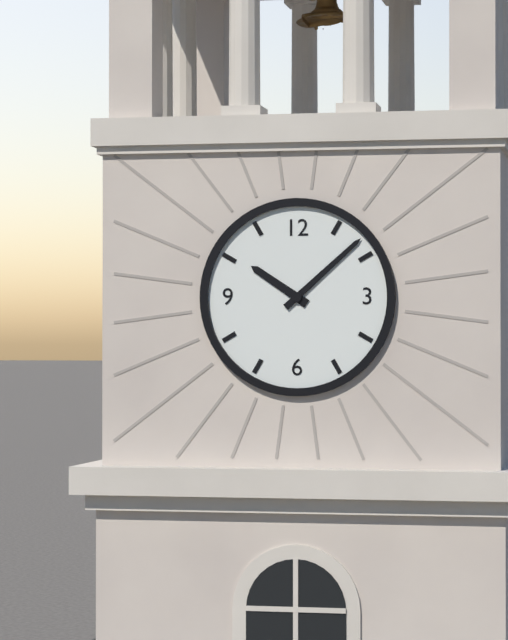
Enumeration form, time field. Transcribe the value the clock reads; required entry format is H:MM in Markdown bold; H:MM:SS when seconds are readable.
**10:08**
